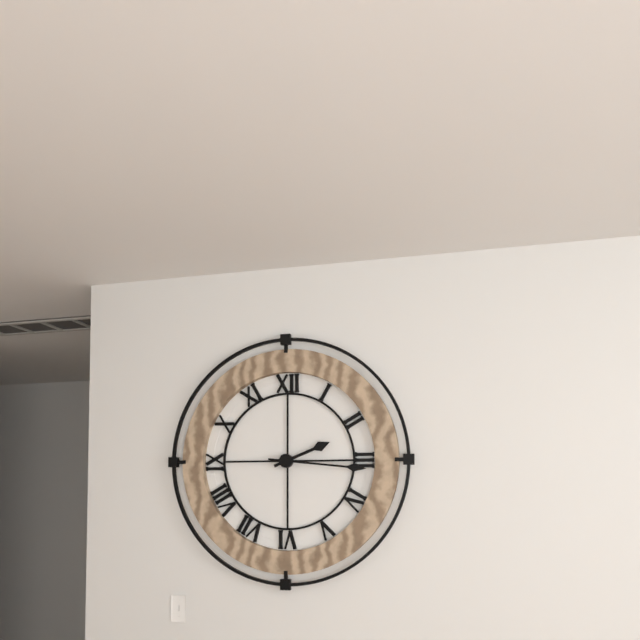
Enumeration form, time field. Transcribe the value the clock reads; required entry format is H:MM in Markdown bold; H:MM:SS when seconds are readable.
**2:16**
